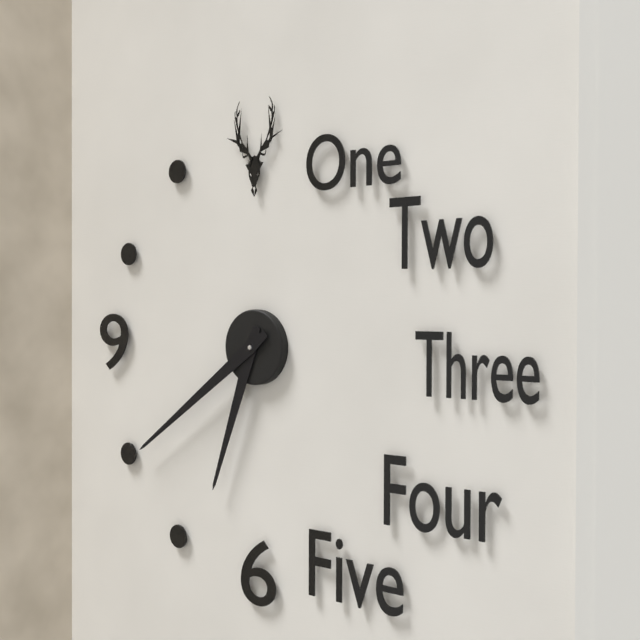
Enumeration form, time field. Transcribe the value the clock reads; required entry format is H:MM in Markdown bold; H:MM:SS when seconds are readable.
**6:39**
